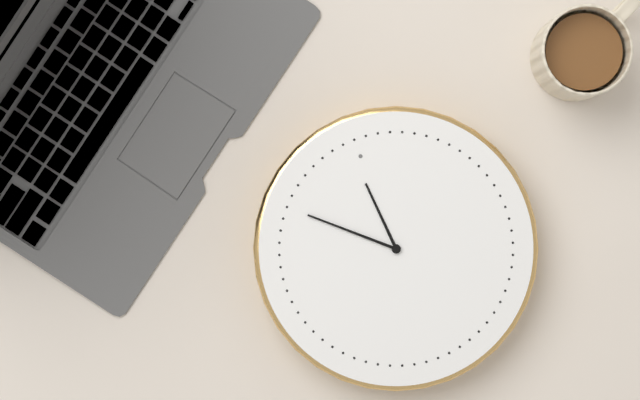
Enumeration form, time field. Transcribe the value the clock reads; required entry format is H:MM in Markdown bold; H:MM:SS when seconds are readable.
**11:52**
